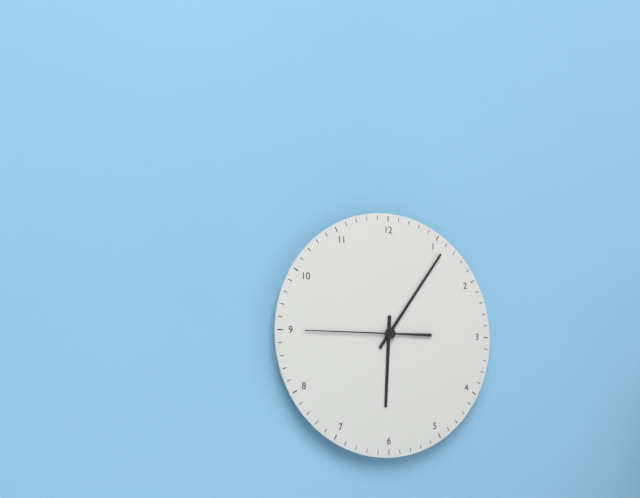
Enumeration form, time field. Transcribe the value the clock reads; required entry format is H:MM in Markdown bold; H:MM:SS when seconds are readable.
**6:06:45**
